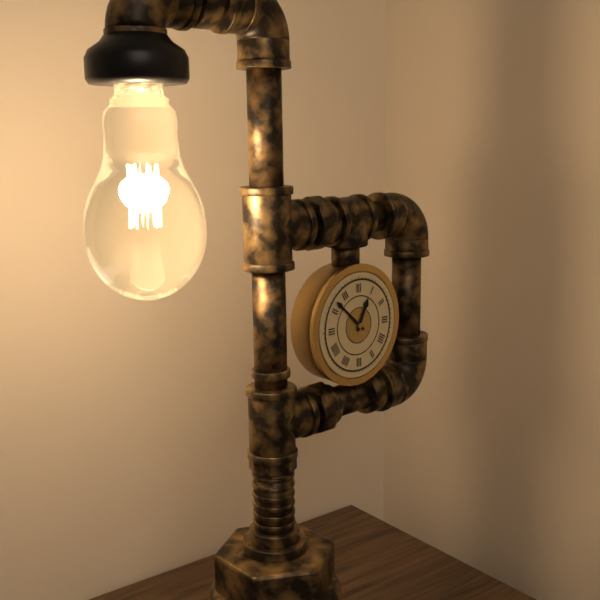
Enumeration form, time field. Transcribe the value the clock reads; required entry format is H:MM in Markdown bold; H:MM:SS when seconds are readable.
**12:52**
